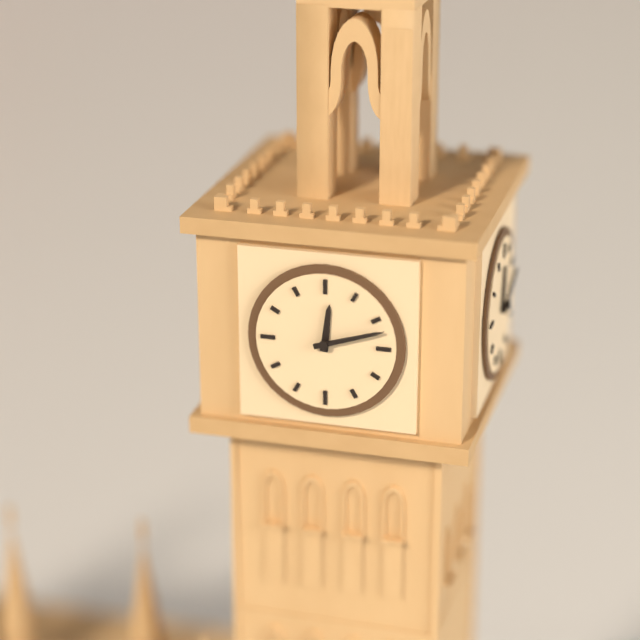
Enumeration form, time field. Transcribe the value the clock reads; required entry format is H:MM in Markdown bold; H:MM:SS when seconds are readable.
**12:12**
